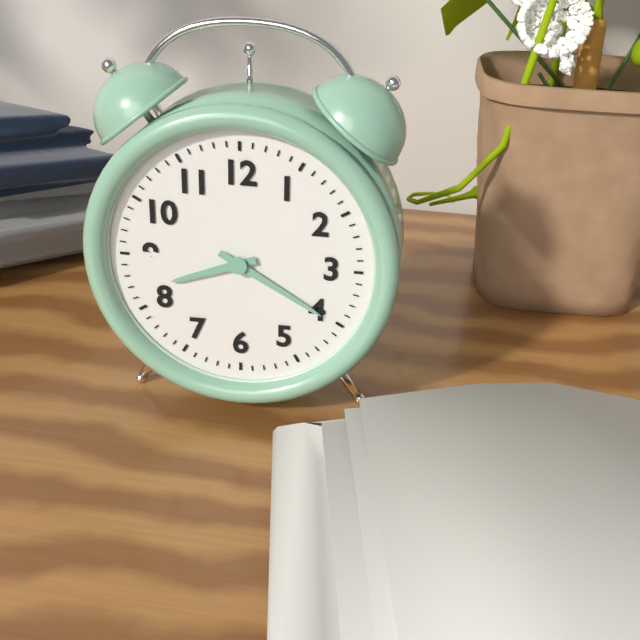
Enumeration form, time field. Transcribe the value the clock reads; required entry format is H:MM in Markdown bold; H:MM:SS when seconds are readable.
**8:20**
